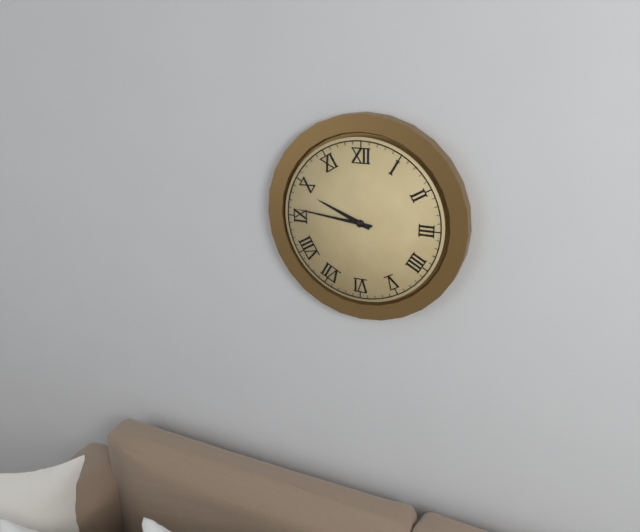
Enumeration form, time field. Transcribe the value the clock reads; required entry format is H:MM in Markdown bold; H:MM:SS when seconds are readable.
**9:46**
